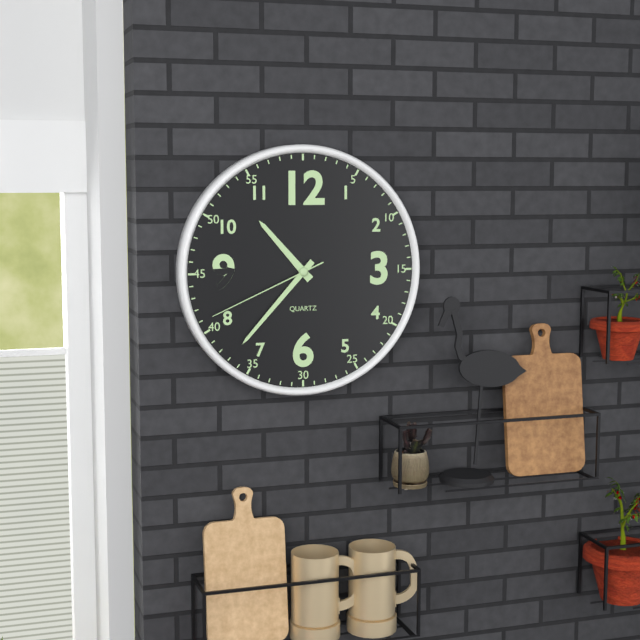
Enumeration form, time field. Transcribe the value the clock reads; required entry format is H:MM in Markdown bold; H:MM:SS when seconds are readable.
**10:37:41**
